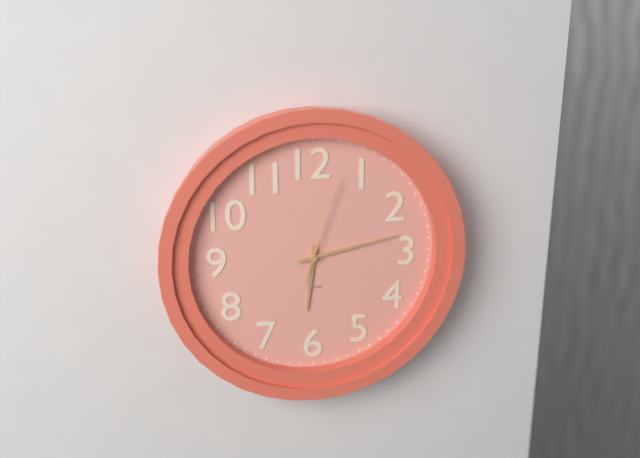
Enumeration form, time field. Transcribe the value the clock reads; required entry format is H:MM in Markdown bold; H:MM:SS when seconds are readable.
**6:13:03**
